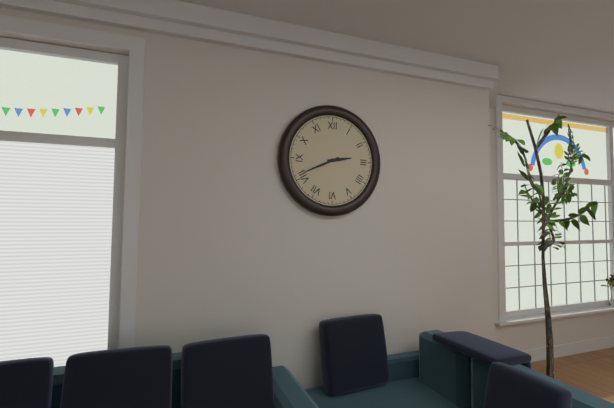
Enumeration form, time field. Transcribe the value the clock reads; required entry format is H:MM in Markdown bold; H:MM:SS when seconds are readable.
**2:41**
